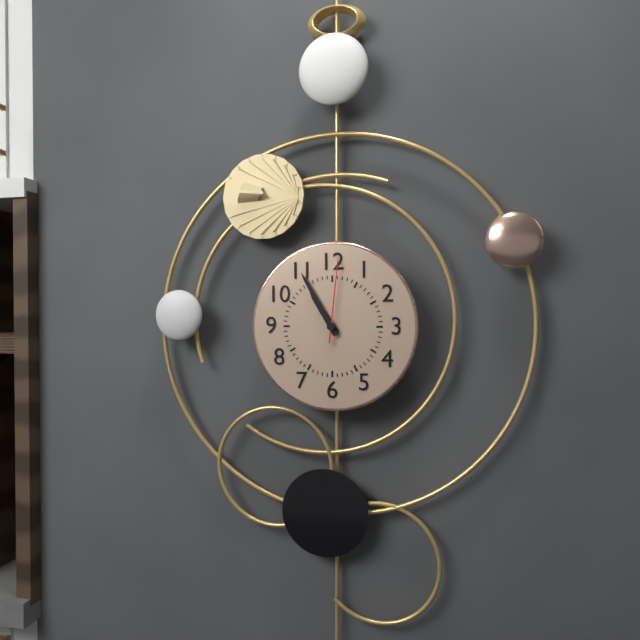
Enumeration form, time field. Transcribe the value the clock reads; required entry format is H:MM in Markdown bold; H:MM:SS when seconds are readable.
**10:55:01**
